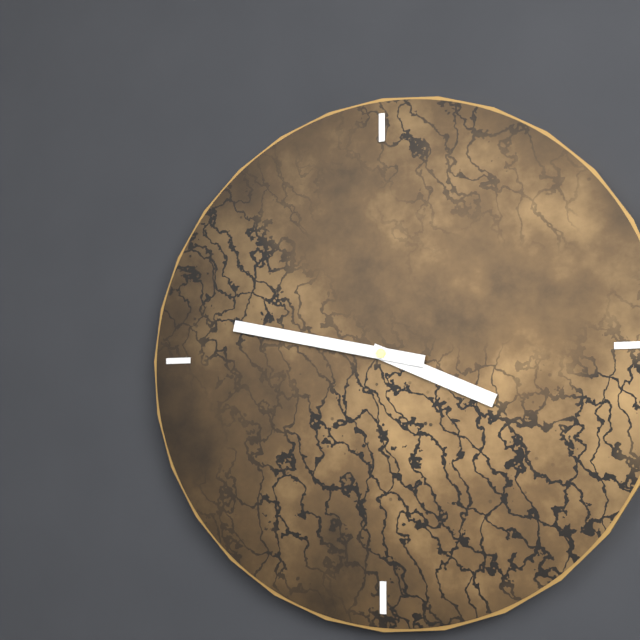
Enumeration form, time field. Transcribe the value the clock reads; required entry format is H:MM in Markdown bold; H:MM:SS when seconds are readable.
**3:47**
